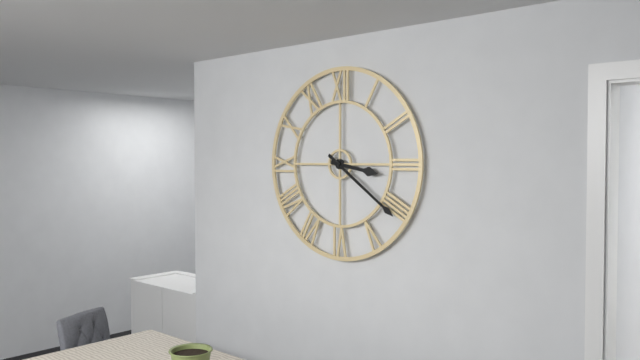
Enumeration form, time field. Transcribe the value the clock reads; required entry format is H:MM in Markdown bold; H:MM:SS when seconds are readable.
**3:21**
